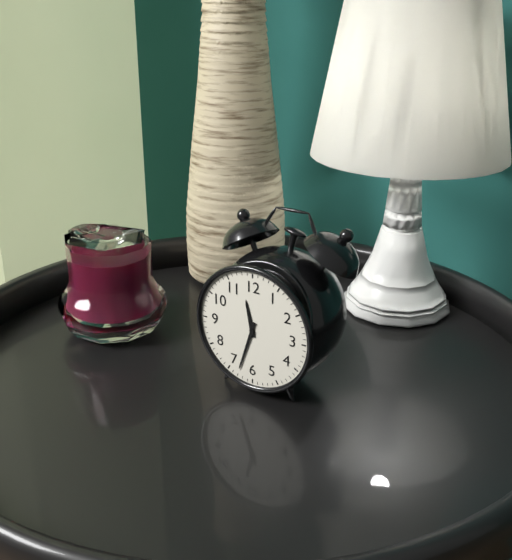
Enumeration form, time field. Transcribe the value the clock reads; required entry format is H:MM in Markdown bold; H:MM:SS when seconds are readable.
**11:33**
